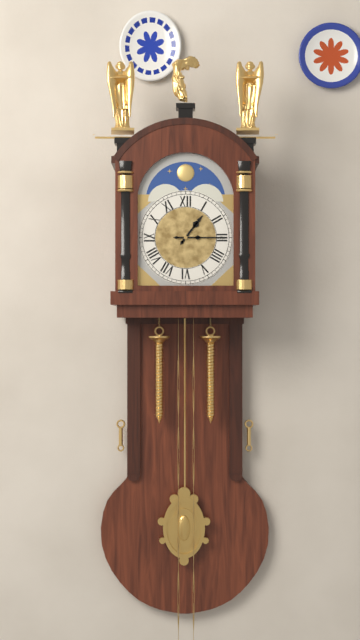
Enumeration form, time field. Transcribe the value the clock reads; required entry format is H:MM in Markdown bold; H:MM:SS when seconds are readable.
**1:15**
